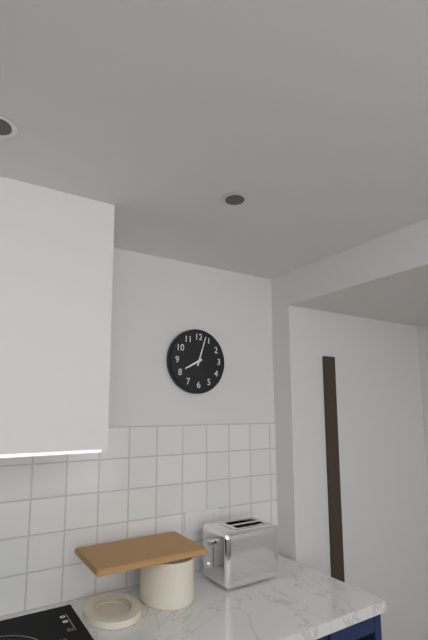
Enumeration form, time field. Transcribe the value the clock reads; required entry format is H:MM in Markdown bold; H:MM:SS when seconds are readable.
**8:03**
